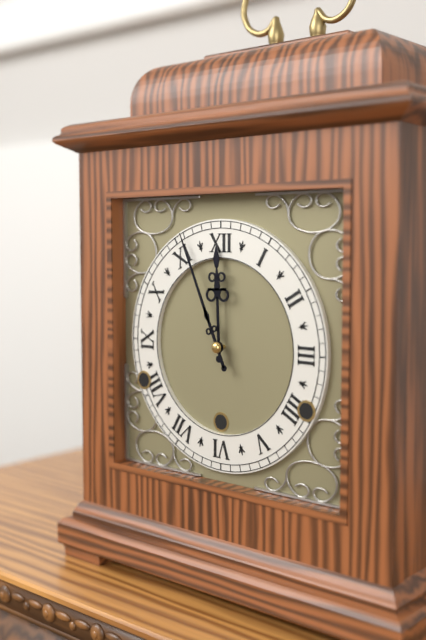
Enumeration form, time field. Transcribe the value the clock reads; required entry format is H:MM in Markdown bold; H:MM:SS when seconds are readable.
**11:56**
